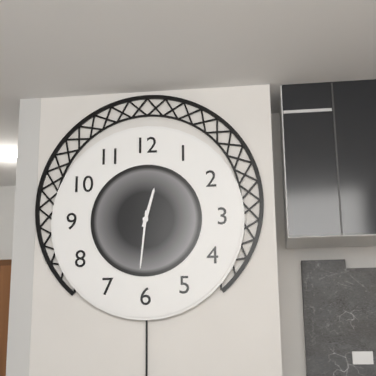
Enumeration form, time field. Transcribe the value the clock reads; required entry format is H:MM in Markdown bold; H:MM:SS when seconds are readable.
**12:31**
